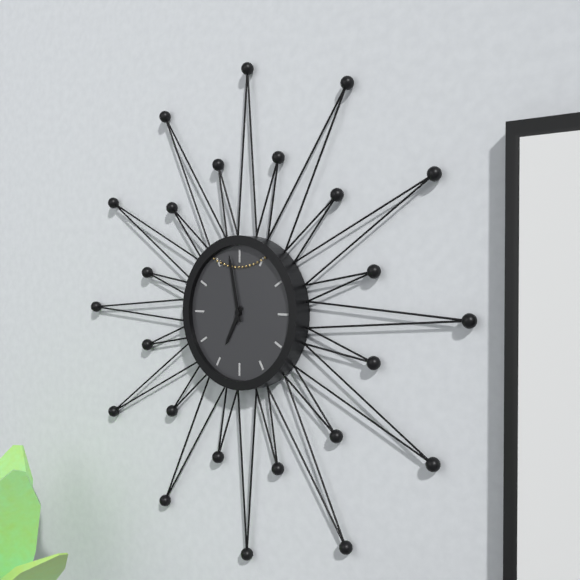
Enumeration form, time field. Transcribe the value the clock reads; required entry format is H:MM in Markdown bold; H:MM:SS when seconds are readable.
**6:58**
